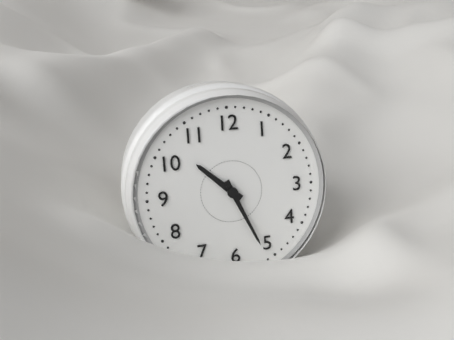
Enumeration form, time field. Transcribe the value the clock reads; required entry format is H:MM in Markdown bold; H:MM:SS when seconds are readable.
**10:26**
